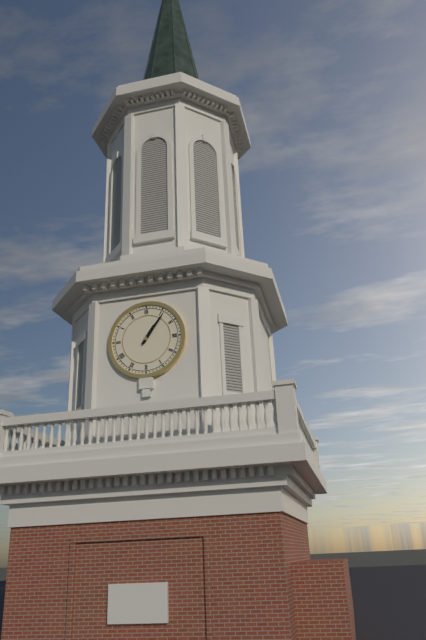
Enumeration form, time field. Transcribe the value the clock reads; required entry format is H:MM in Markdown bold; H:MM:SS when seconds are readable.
**1:06**
